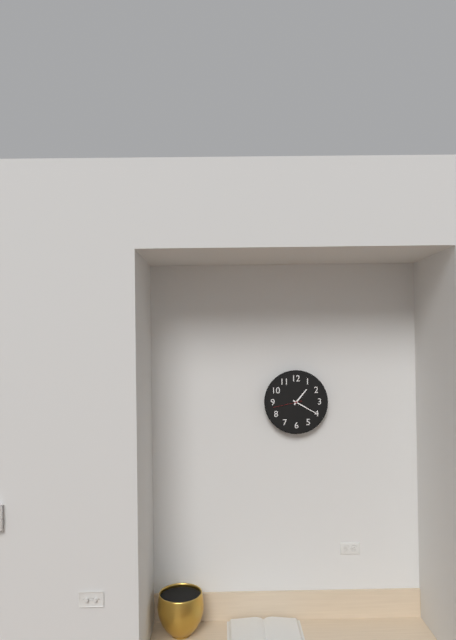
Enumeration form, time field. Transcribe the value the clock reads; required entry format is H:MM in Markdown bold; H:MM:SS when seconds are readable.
**1:20**
